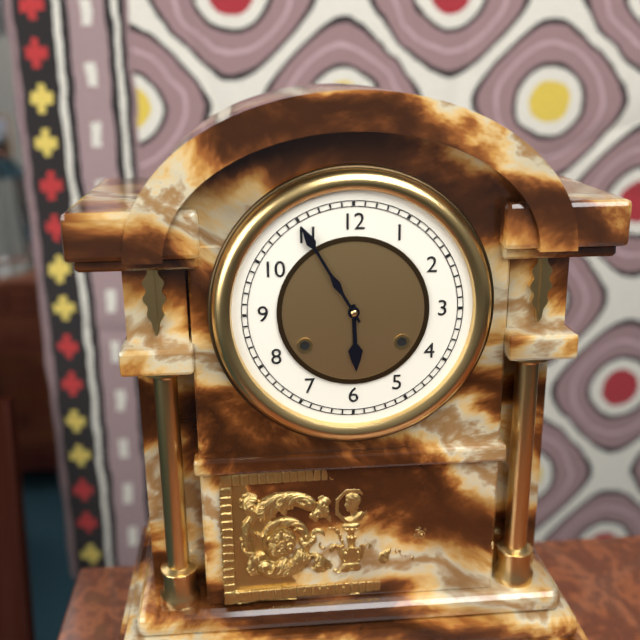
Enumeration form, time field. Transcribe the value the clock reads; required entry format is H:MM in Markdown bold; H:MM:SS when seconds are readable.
**5:55**
